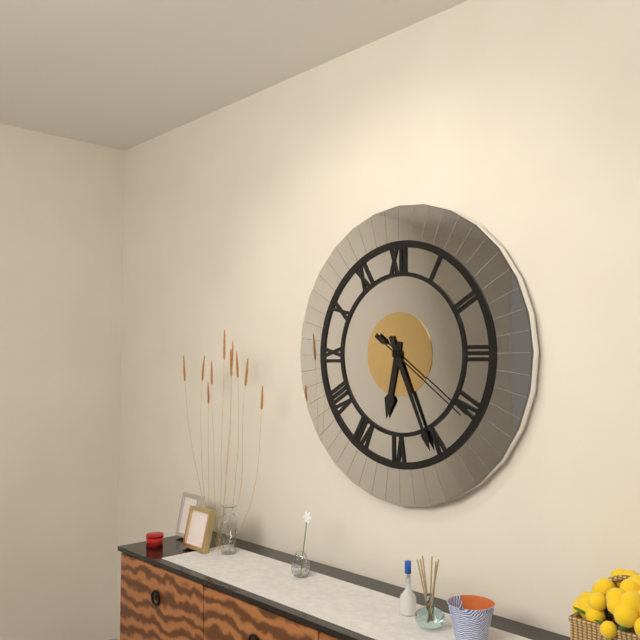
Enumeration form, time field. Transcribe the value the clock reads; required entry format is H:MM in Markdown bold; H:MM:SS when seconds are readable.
**6:26:21**
